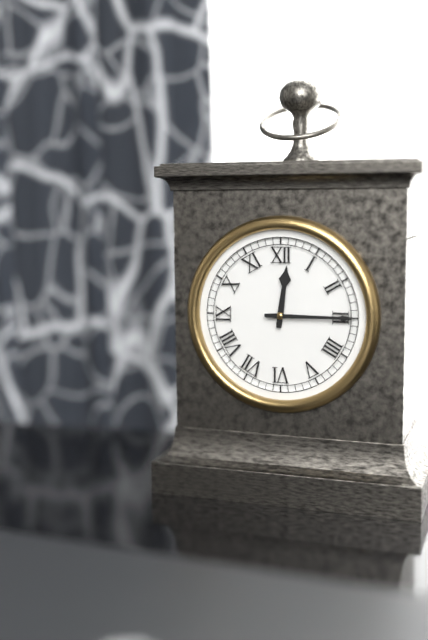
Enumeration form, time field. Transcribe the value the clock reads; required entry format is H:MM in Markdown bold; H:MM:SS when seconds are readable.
**12:15**
